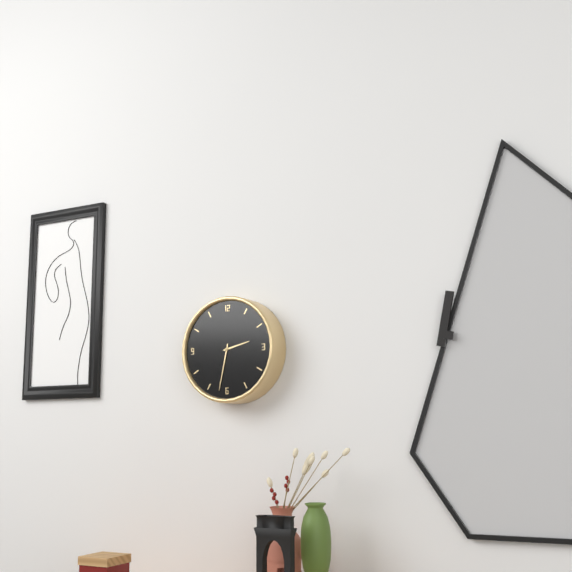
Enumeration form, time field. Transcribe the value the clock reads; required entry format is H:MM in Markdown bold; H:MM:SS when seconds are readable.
**2:32**
